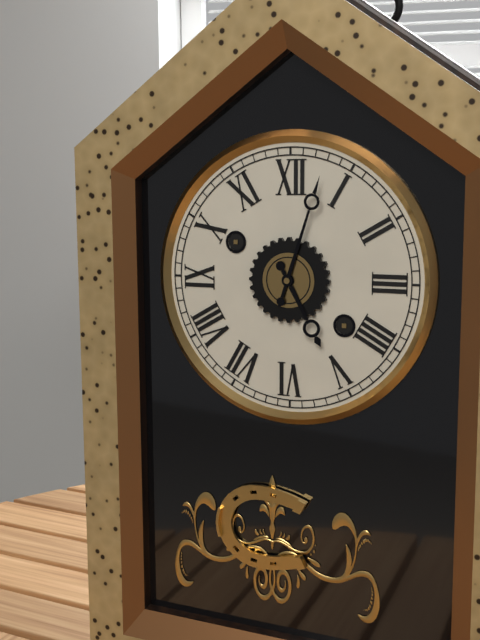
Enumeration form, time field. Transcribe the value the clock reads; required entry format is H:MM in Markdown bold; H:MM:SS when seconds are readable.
**5:03**
